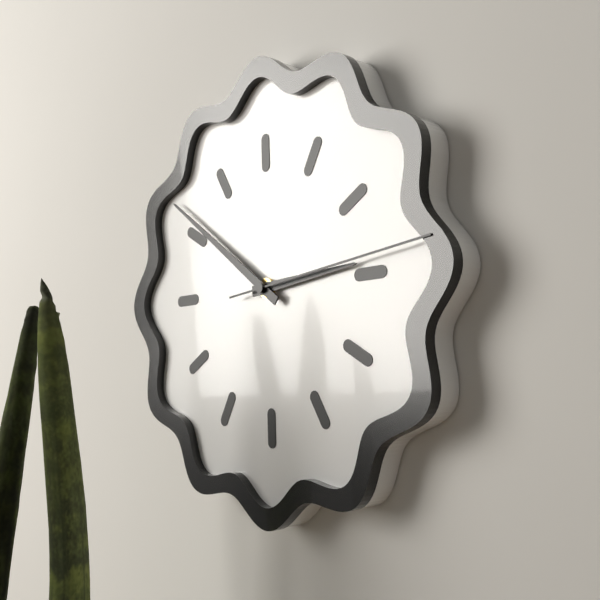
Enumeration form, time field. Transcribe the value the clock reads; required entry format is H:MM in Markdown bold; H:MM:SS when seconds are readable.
**2:51:14**
